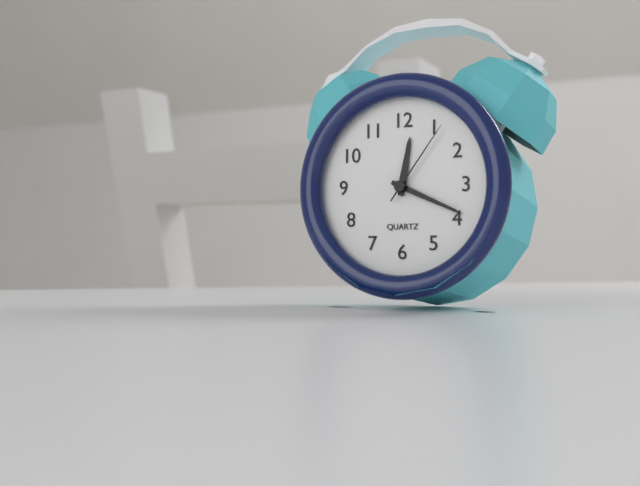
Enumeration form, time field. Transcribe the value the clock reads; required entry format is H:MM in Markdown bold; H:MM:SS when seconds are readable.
**12:19:06**
